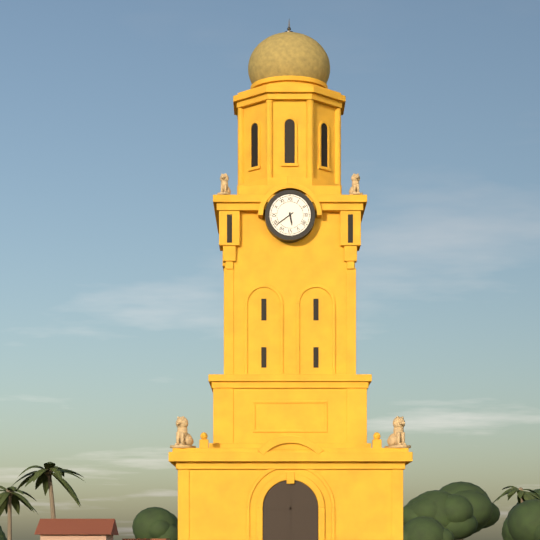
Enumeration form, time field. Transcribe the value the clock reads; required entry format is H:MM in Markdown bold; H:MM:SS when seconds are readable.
**5:39**
